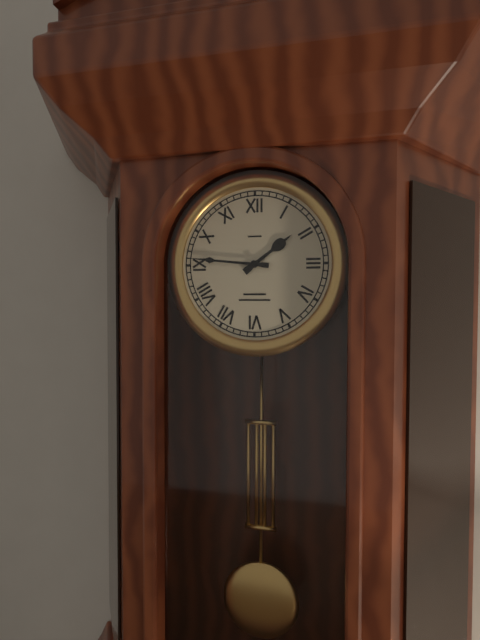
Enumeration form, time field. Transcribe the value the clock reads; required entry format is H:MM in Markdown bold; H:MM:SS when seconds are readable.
**1:46**
